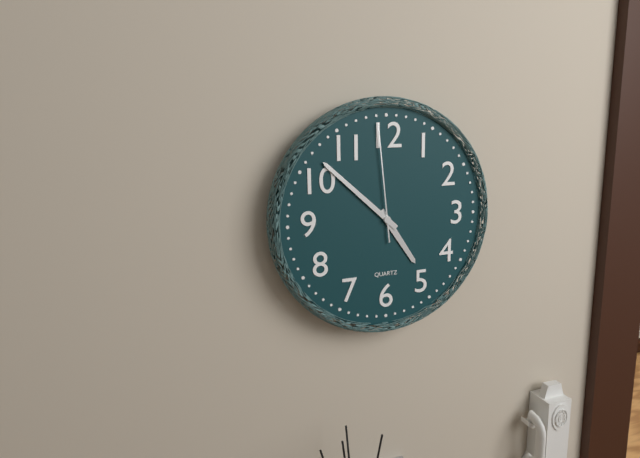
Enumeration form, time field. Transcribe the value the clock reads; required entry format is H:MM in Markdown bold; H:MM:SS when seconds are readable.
**4:52:59**
